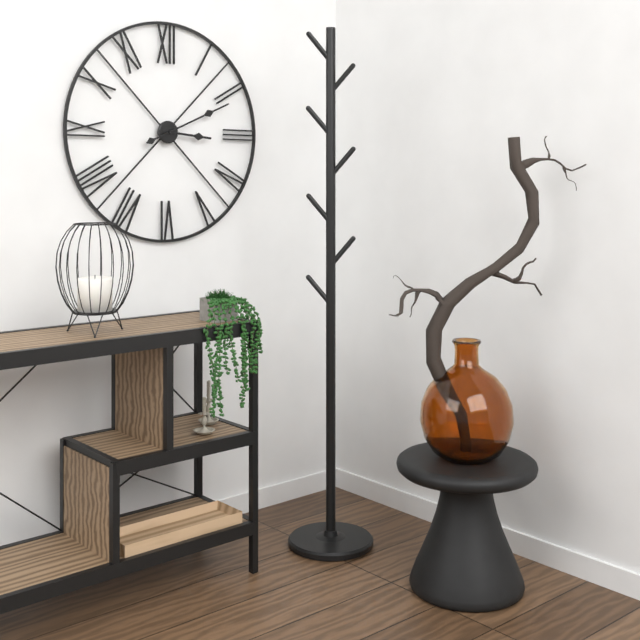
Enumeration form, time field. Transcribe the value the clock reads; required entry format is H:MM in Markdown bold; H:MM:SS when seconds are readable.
**3:11**
